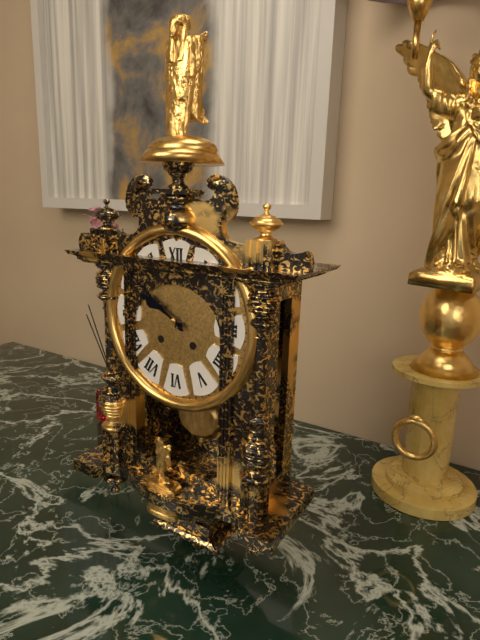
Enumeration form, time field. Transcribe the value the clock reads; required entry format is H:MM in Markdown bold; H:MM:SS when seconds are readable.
**9:51**
